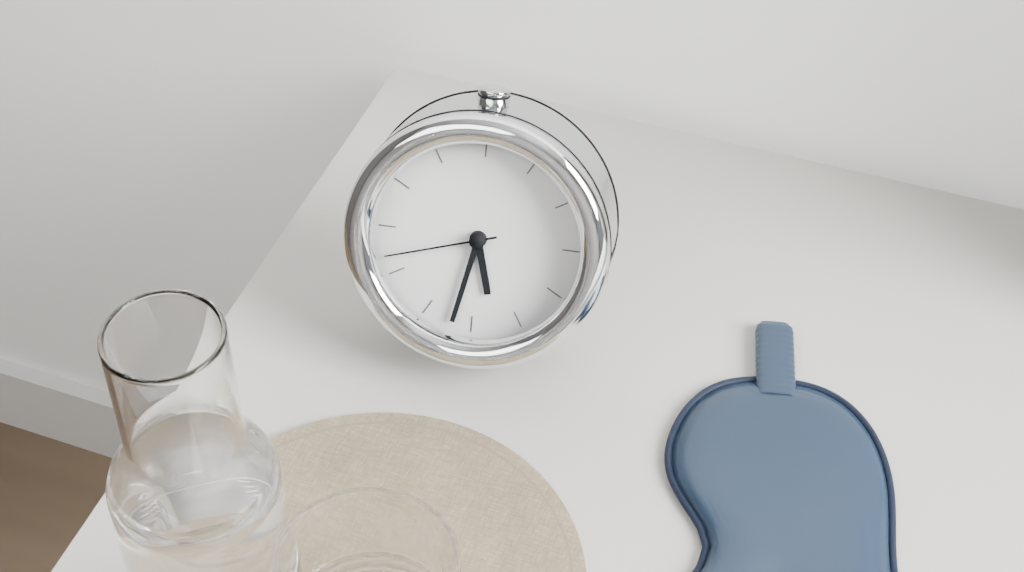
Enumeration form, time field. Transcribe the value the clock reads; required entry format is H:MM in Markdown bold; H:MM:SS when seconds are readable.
**5:32:42**
